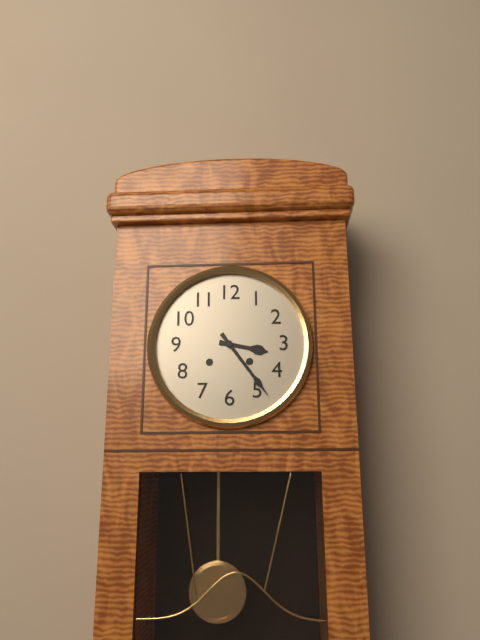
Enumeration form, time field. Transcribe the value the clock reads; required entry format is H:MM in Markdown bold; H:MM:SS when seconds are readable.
**3:24**
